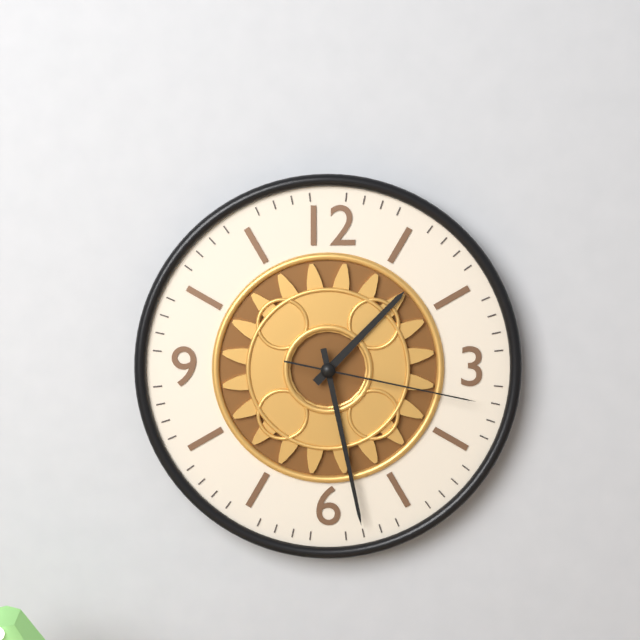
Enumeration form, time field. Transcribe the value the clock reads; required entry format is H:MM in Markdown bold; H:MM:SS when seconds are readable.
**1:28:17**
